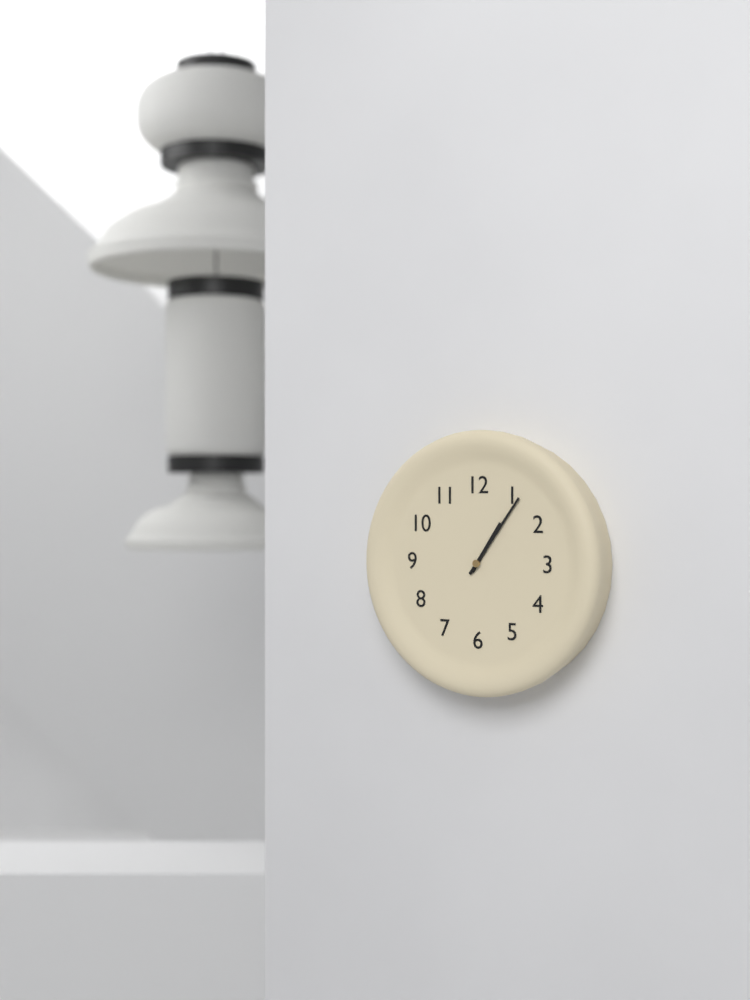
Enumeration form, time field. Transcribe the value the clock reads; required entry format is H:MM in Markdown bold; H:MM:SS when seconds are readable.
**1:06**
